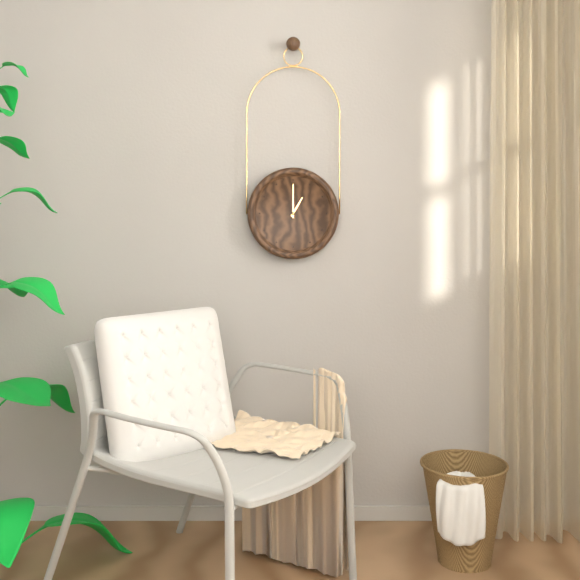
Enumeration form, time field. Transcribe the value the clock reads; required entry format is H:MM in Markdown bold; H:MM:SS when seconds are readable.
**1:00**
